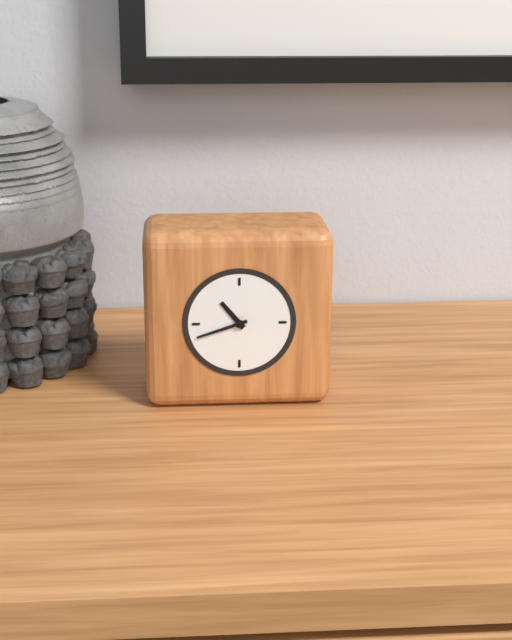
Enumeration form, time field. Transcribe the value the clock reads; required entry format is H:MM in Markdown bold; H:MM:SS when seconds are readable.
**10:42**
